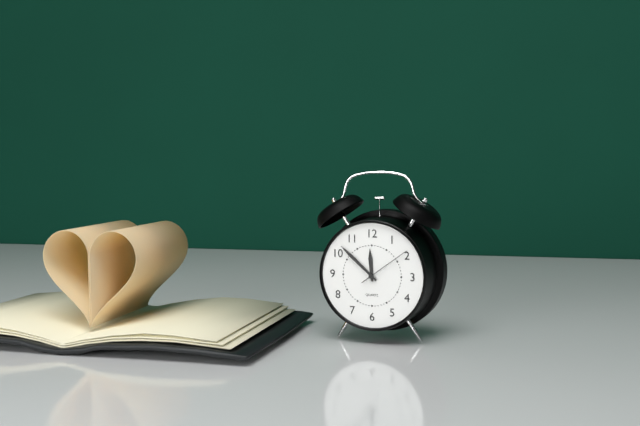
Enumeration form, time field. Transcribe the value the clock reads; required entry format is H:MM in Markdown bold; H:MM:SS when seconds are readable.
**11:52:09**
